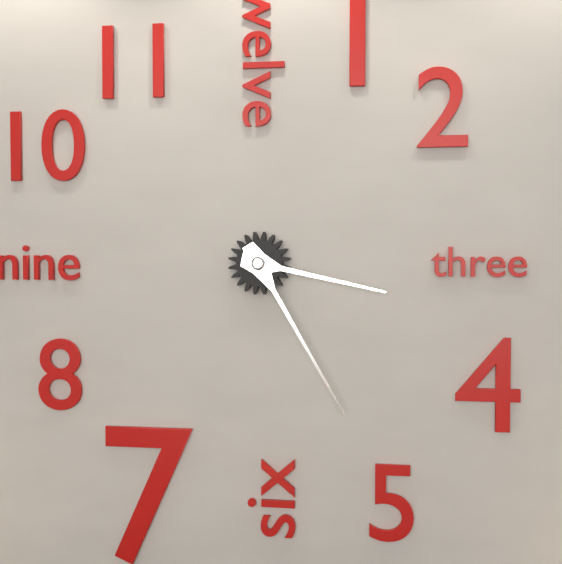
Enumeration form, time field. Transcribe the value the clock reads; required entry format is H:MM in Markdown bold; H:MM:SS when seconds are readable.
**3:25**
